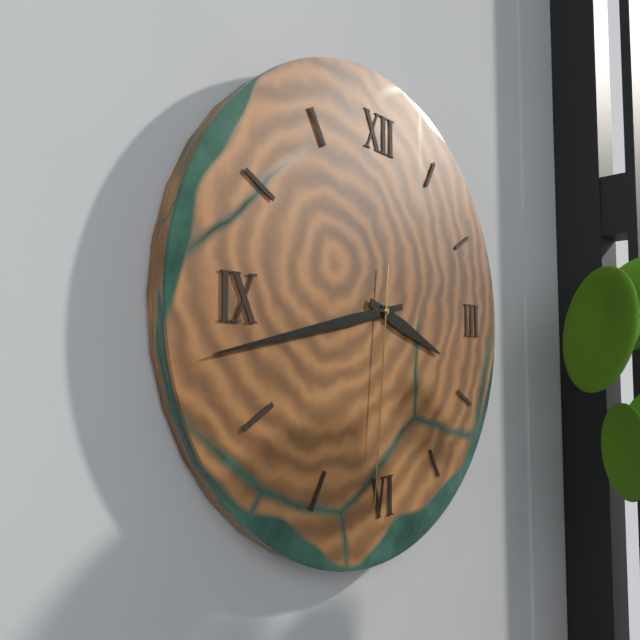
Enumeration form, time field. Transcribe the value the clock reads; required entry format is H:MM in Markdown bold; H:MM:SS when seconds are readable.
**3:43:31**
